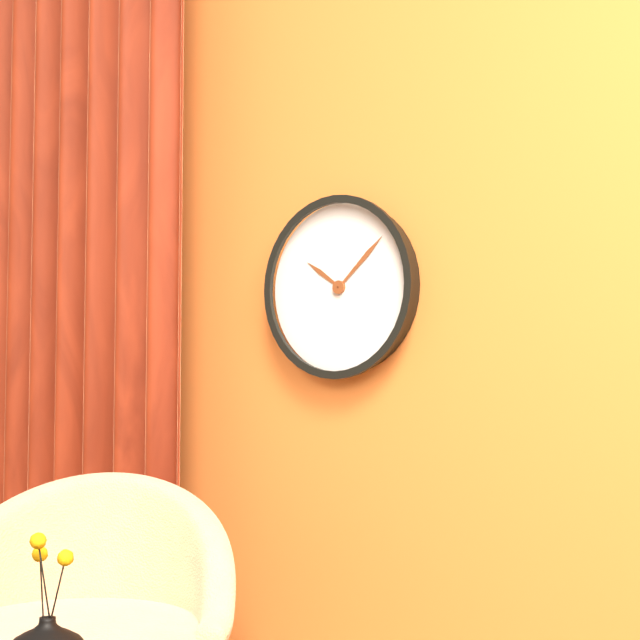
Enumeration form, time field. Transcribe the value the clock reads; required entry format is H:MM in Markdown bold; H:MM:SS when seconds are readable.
**10:08**
